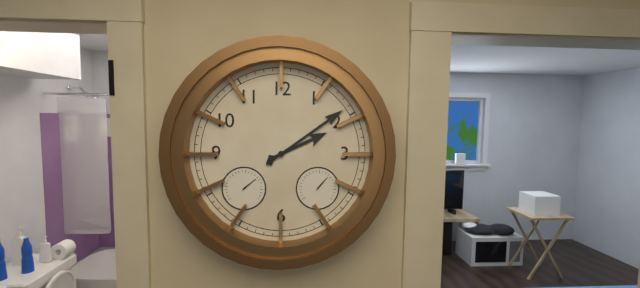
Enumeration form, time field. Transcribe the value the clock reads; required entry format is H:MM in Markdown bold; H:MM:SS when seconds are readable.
**2:09**
